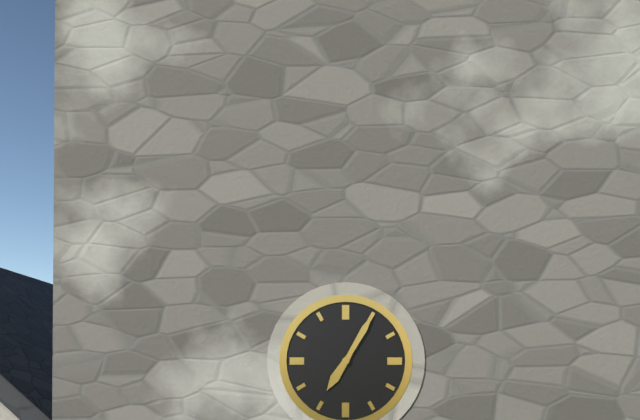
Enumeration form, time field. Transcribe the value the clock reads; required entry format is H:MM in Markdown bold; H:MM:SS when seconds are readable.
**7:05**
